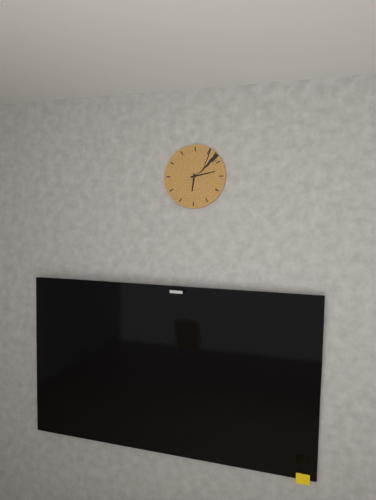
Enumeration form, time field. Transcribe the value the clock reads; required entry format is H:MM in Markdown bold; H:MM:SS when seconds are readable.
**6:13**
